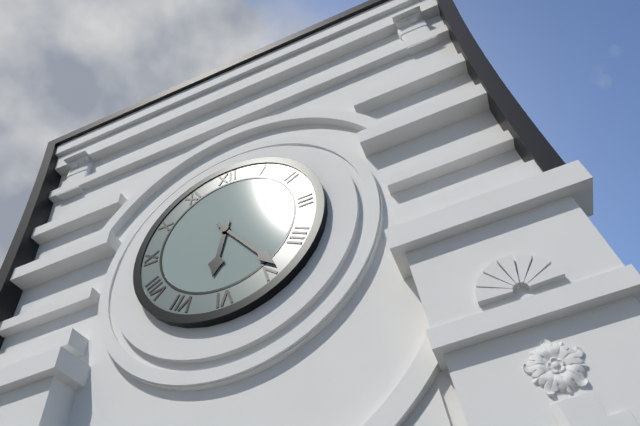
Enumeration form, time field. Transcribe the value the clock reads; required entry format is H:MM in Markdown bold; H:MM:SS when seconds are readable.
**6:24**
